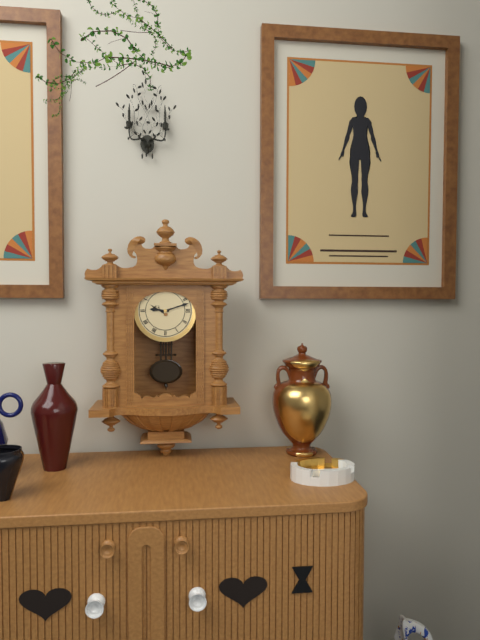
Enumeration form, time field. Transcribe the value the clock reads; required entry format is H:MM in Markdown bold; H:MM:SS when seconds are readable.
**9:12**
